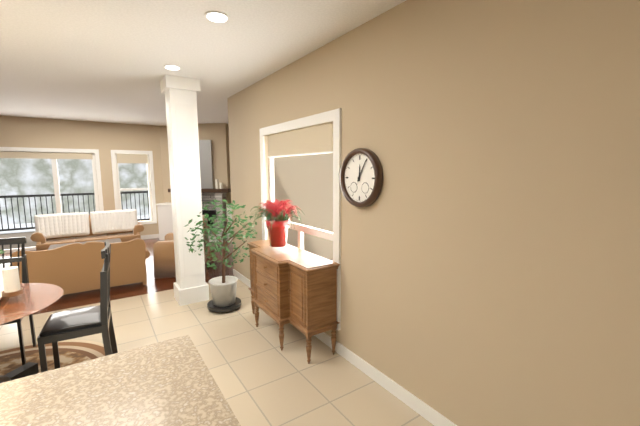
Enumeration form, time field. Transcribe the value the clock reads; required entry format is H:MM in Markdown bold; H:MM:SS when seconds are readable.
**12:05**
